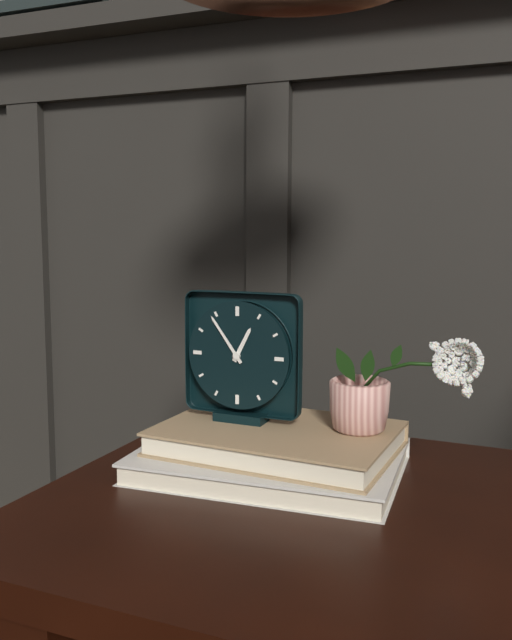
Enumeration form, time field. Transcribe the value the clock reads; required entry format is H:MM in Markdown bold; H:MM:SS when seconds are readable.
**12:54**
